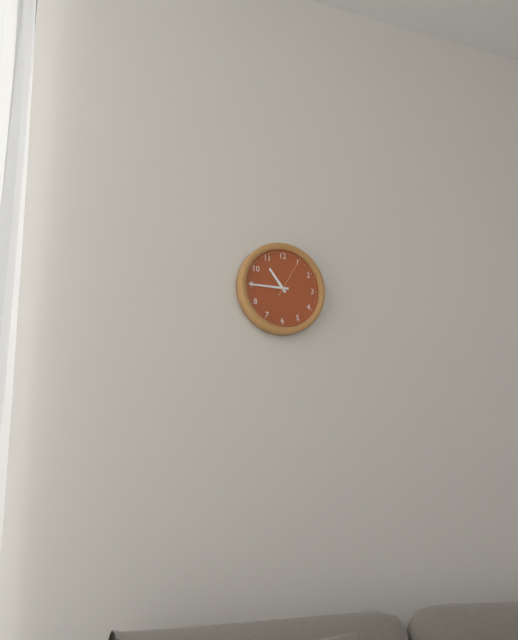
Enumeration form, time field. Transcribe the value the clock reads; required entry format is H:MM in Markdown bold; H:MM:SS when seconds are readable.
**10:45**
